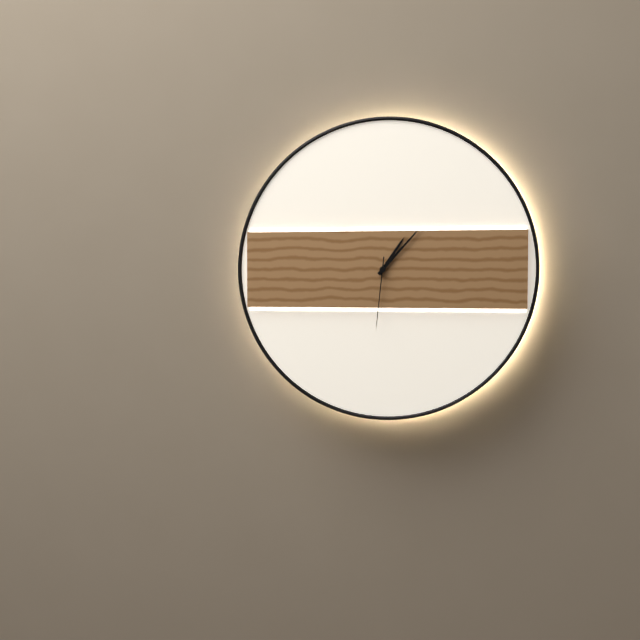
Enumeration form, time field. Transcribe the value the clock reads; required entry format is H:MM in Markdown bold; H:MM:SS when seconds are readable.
**1:07:31**
